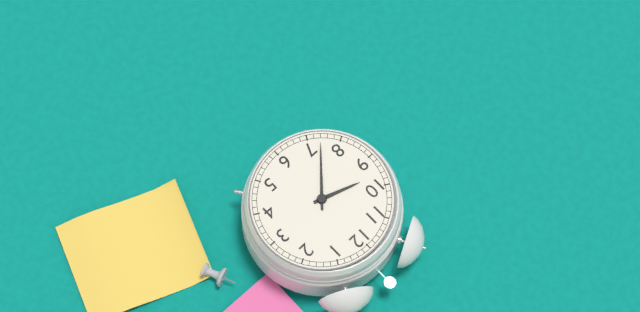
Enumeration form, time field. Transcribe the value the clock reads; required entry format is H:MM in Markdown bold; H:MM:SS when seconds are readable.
**9:37**
